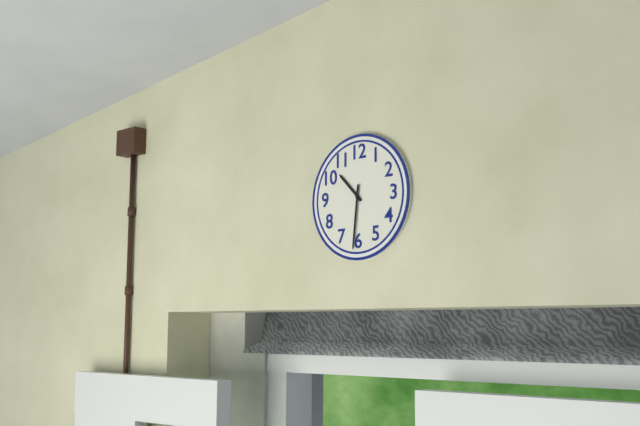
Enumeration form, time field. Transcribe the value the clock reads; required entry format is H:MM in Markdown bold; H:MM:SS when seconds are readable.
**10:31**
